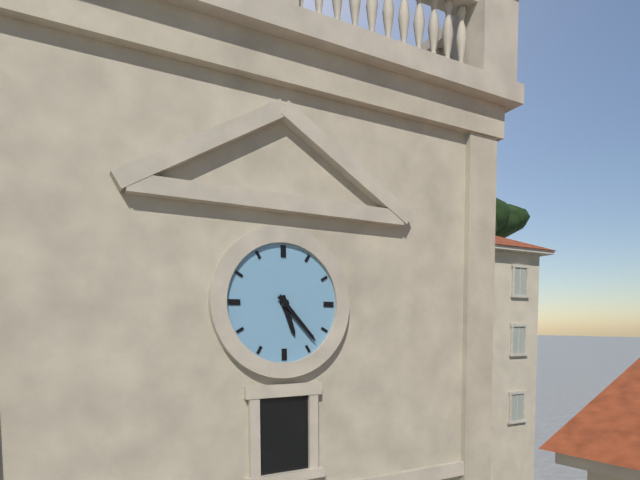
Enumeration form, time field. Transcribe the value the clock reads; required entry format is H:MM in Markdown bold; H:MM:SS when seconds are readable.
**5:23**
